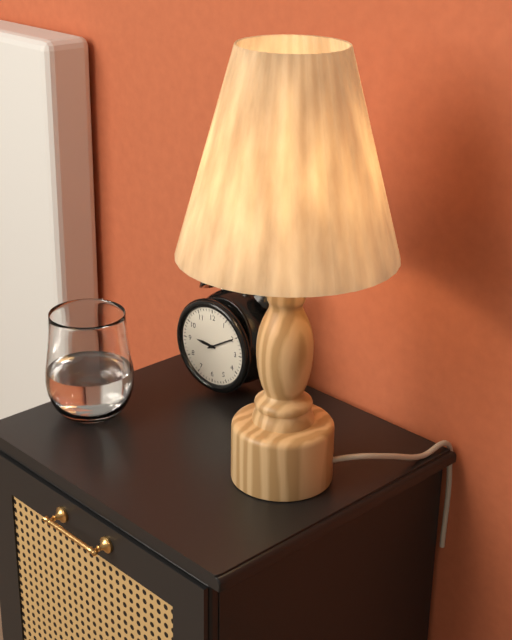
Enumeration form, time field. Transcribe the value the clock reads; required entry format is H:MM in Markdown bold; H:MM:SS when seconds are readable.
**9:10**
